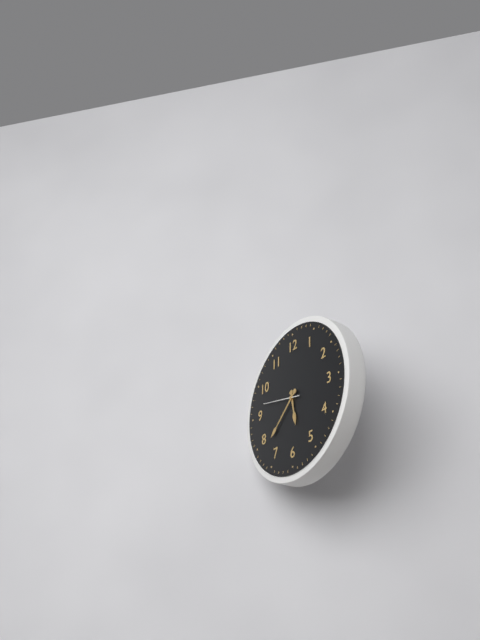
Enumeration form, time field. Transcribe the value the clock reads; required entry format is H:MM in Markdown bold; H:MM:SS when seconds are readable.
**5:38**
